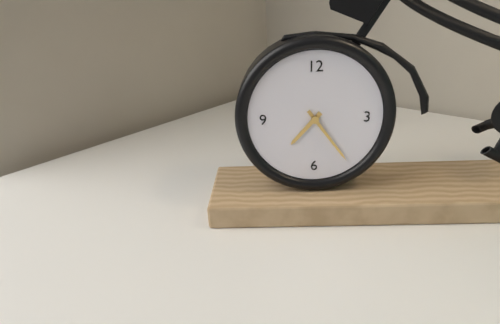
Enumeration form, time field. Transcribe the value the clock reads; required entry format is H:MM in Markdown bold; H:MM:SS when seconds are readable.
**7:24**
